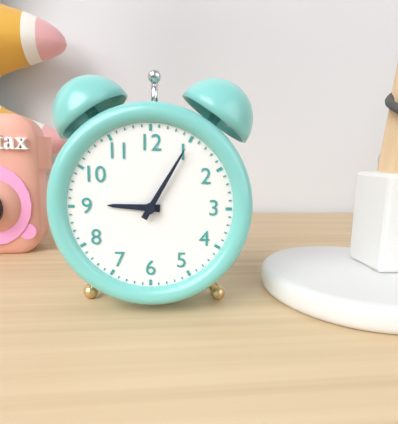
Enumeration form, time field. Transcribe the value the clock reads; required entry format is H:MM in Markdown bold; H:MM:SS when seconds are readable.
**9:05**
